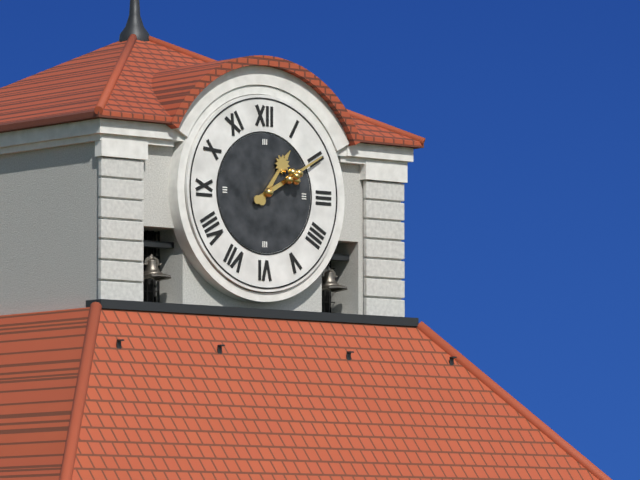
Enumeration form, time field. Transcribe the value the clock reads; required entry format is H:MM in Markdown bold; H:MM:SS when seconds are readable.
**1:10**
